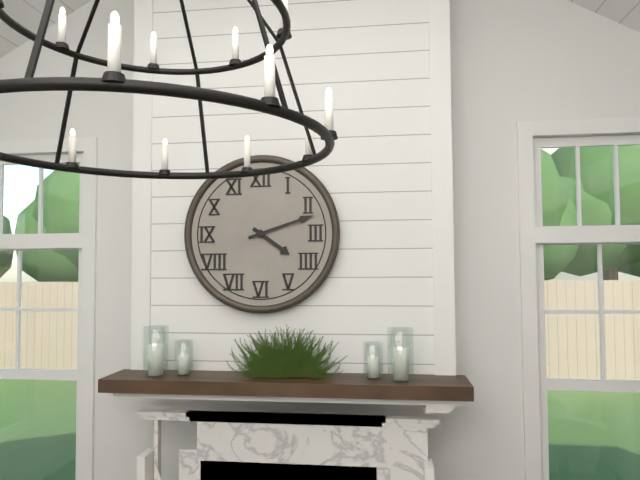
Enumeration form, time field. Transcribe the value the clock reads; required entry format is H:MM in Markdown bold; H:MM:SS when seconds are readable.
**4:12**
